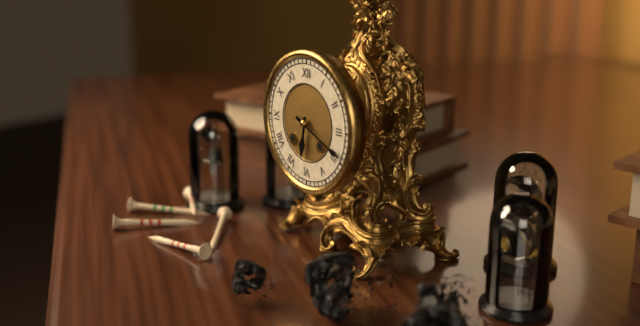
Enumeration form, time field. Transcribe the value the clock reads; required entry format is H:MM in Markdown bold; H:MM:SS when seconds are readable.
**6:19**
